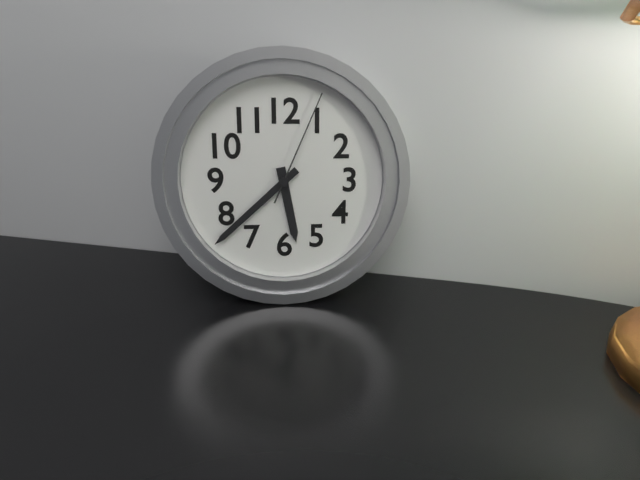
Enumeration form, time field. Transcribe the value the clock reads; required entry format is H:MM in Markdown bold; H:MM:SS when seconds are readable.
**5:38:04**
